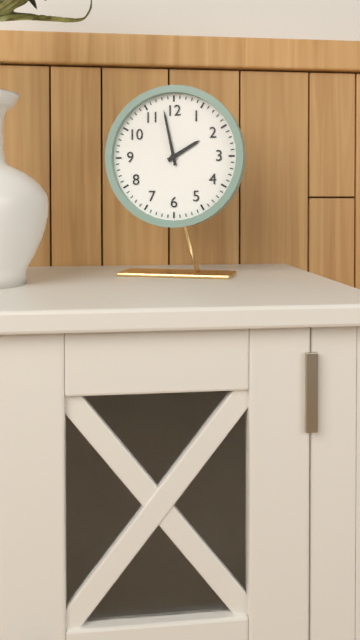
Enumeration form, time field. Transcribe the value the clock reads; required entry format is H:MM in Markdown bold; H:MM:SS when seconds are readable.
**1:58**
